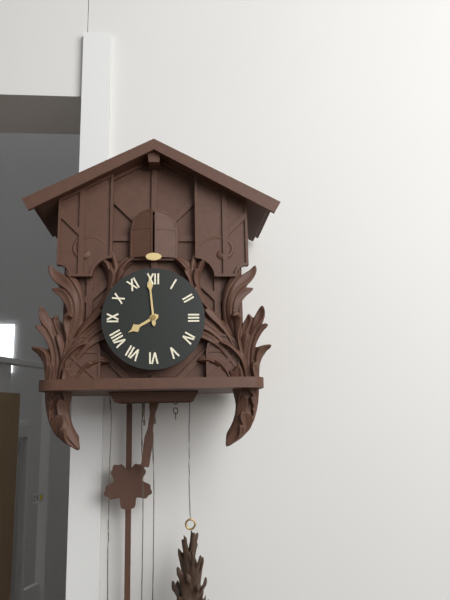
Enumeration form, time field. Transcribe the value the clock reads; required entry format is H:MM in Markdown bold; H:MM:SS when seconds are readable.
**7:59**
